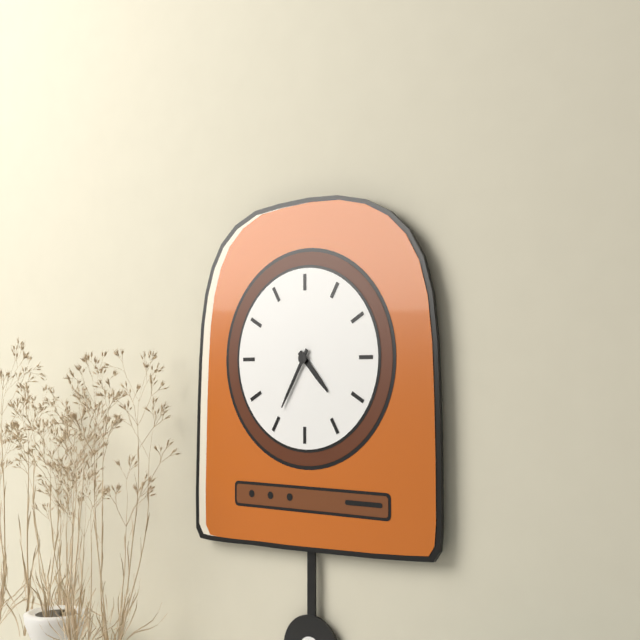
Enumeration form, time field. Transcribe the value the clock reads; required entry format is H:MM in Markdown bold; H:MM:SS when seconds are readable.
**4:35**
